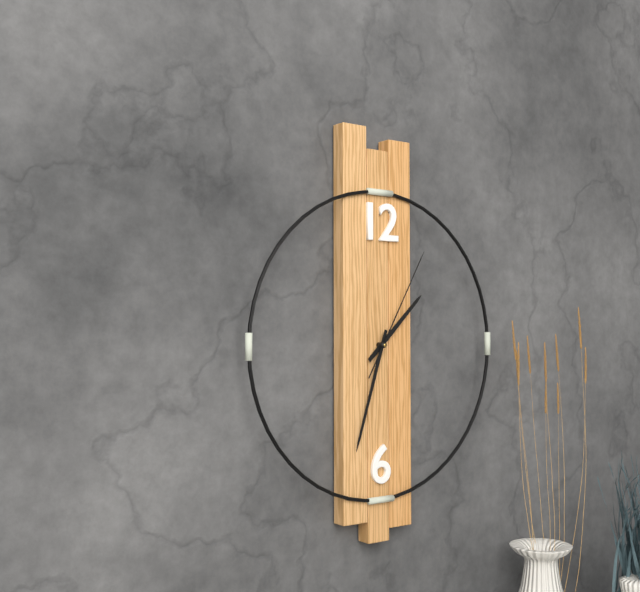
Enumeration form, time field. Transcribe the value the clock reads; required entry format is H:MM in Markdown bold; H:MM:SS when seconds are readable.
**1:33:05**
